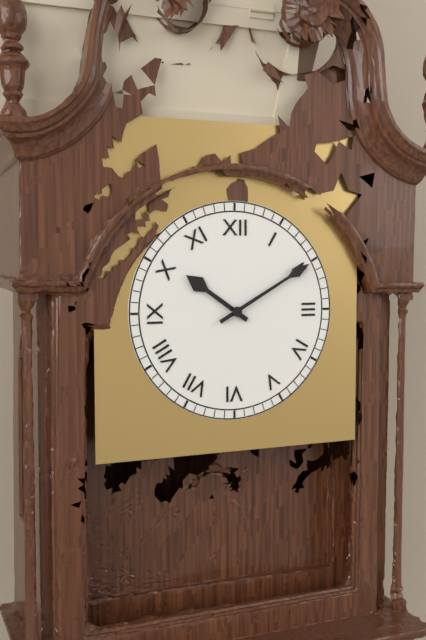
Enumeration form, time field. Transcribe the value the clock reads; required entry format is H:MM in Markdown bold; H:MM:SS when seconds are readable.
**10:10**
